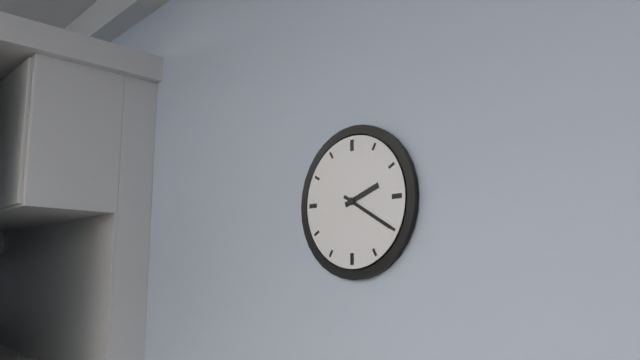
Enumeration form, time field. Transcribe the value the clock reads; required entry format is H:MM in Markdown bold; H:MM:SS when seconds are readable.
**2:20**
